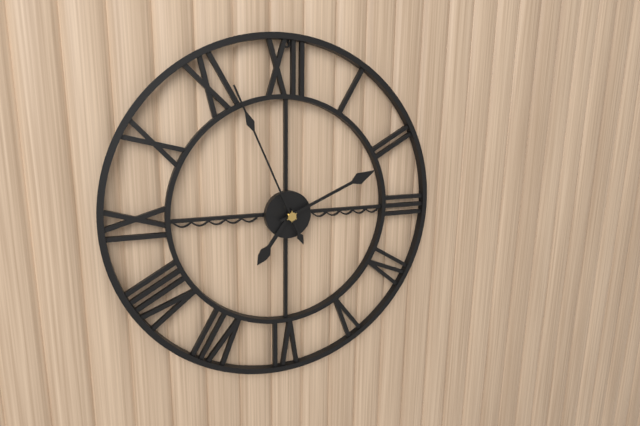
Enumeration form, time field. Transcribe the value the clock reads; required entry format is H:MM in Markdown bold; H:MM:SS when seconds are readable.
**7:11:56**
